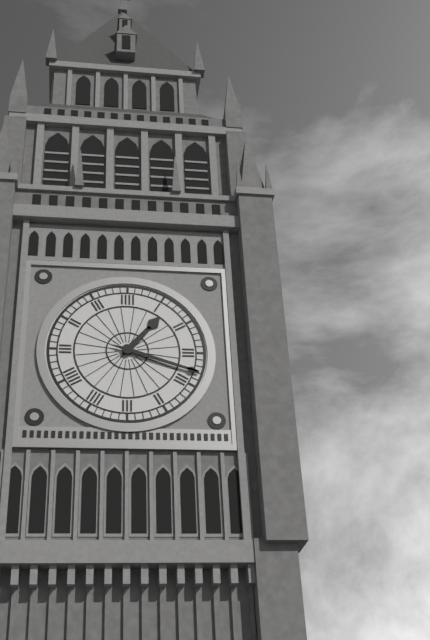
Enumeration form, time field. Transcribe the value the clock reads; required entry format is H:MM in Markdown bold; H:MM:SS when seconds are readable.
**1:18**
